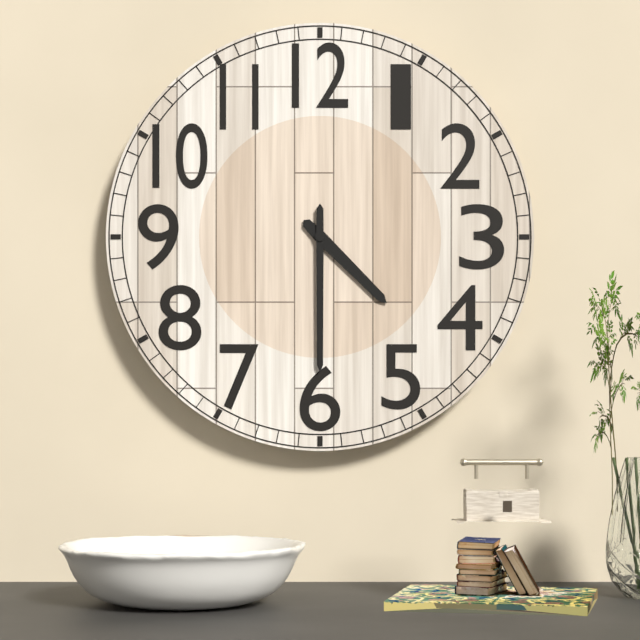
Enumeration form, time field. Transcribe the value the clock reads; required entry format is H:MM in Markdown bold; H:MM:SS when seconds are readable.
**4:30**
